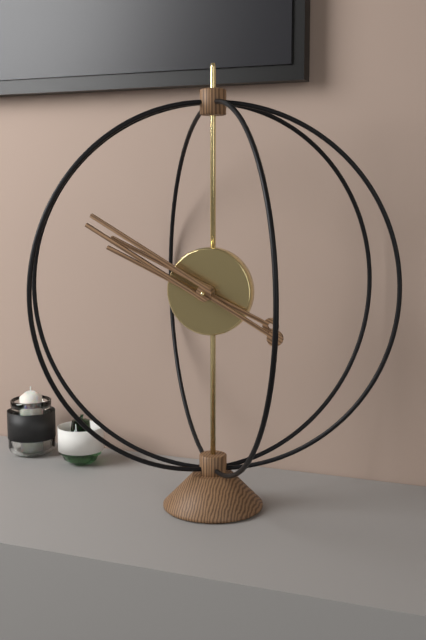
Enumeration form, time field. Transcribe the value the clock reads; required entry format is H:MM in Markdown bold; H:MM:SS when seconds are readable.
**9:50**
